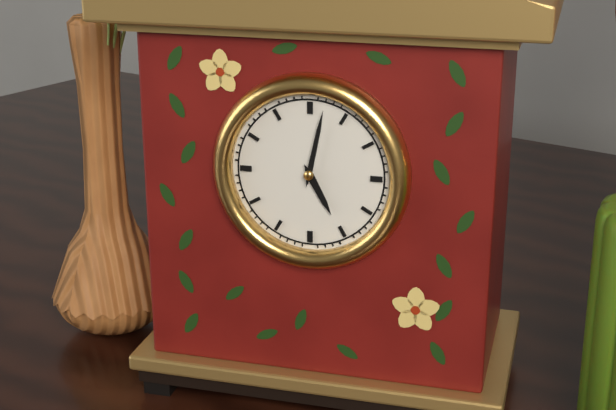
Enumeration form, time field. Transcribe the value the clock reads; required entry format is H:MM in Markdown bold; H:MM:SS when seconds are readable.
**5:02**
